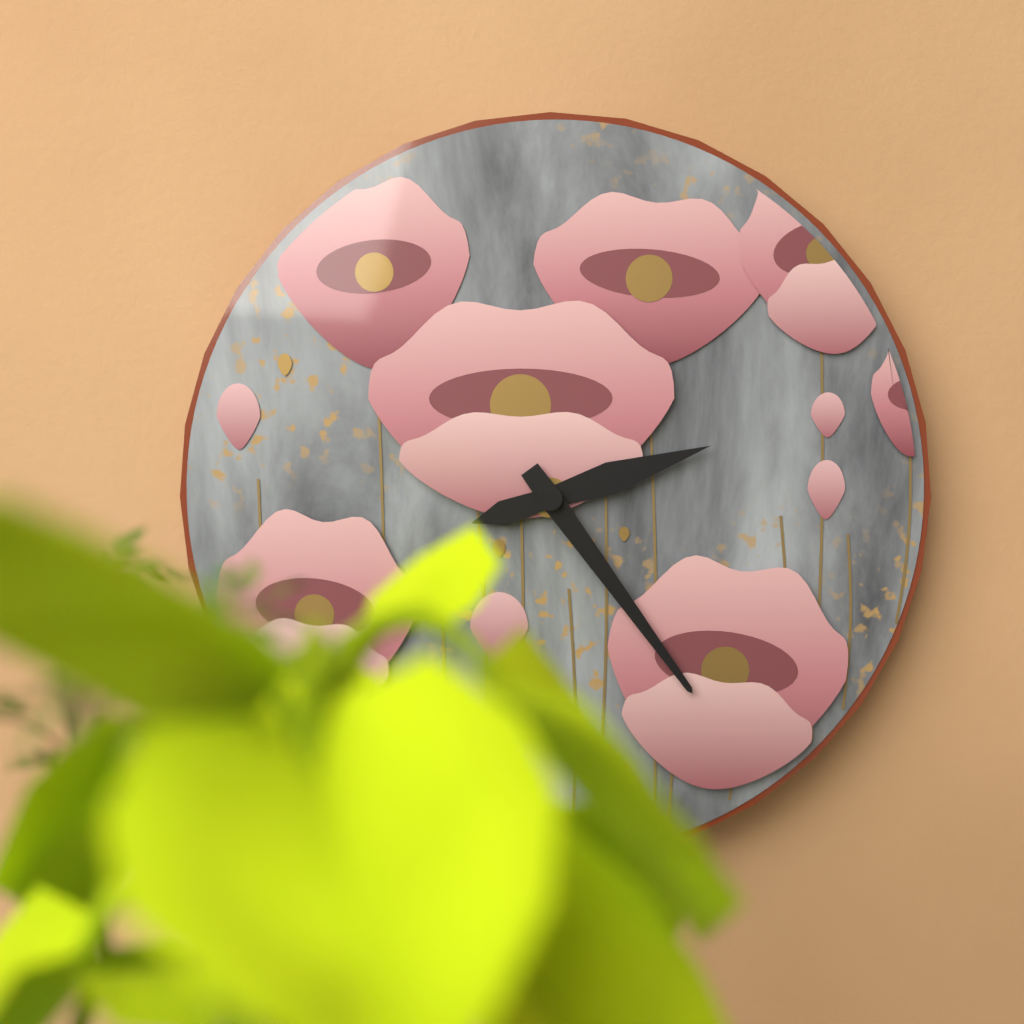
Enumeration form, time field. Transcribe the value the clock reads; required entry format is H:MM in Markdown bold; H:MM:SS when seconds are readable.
**2:24**
